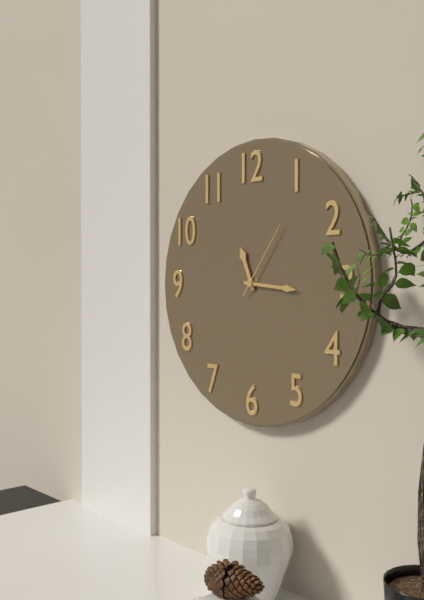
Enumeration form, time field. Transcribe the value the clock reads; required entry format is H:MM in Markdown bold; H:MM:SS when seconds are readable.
**11:16:06**
